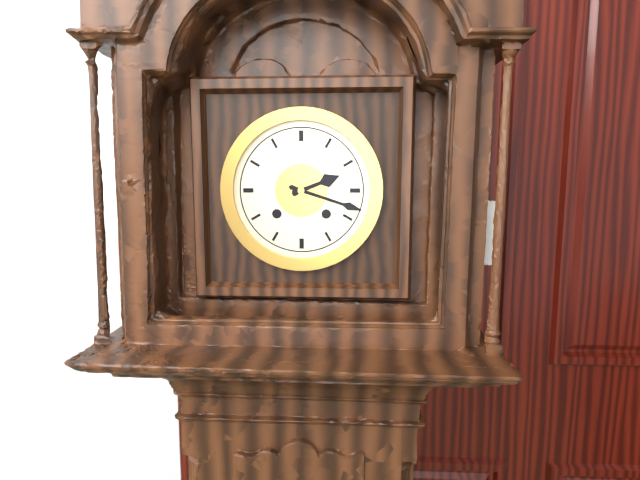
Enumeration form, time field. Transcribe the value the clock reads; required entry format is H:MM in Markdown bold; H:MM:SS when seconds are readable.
**2:18**
